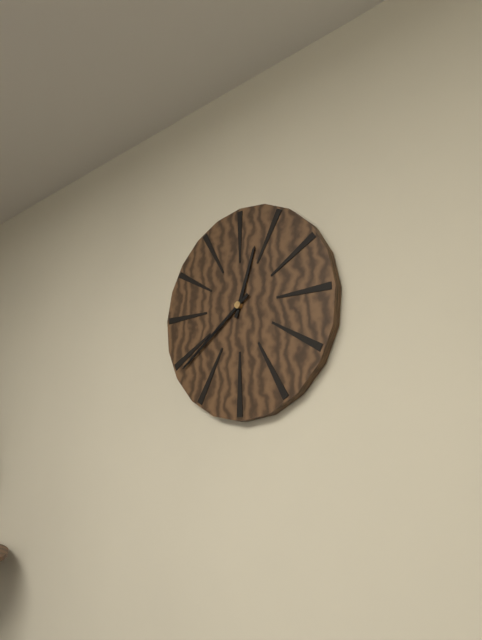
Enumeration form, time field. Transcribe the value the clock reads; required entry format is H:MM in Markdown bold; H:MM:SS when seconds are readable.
**12:39**
